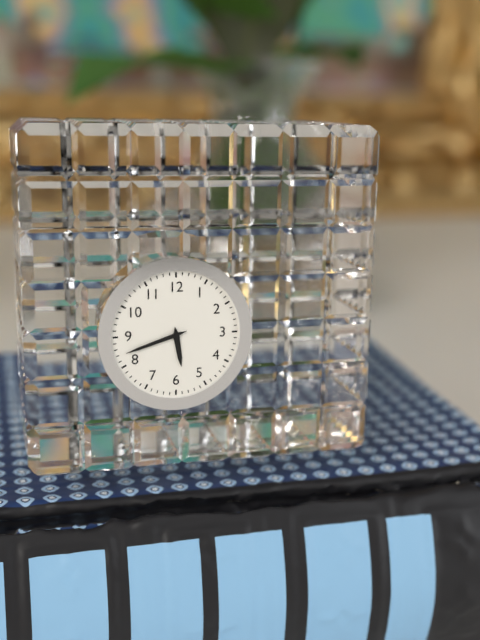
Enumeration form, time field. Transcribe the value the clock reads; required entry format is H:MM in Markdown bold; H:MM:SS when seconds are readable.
**5:42**
